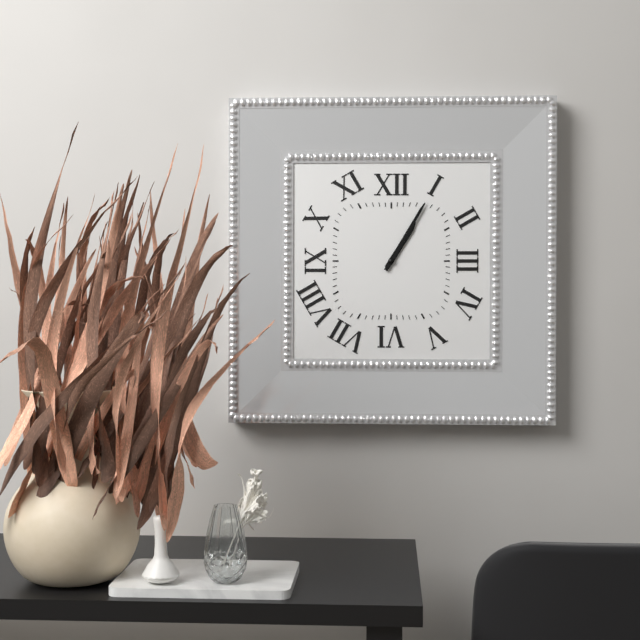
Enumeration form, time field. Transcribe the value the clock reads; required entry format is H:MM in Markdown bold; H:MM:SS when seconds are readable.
**1:05**
